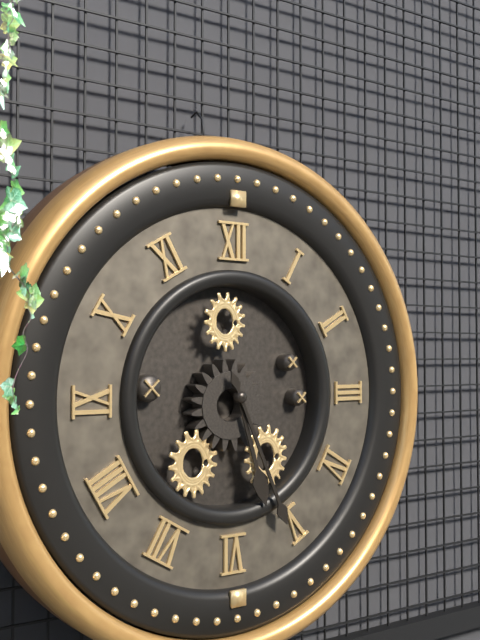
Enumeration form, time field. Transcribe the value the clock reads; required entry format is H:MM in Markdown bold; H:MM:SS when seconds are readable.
**5:26**
